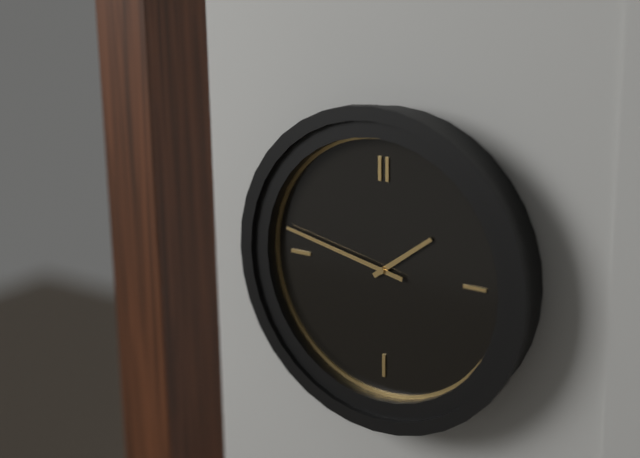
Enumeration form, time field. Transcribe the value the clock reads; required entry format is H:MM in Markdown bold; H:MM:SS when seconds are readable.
**1:47**
